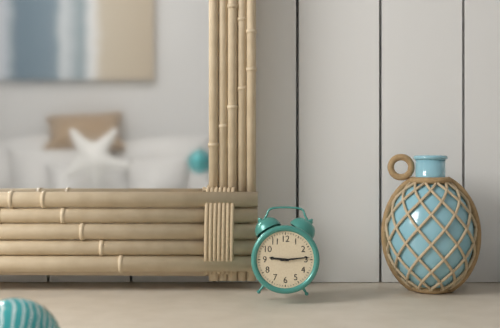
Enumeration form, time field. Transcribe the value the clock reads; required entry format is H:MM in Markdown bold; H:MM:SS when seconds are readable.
**9:14**
